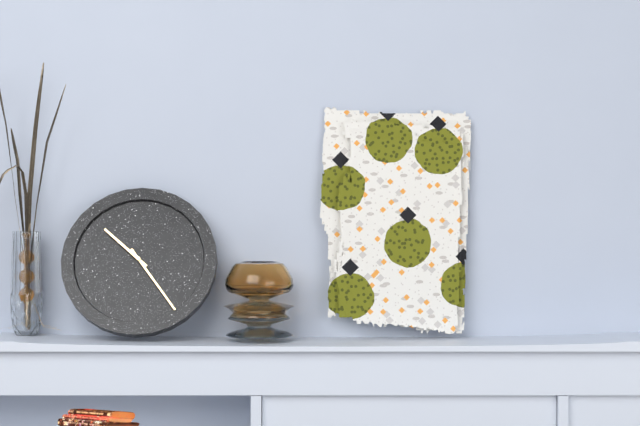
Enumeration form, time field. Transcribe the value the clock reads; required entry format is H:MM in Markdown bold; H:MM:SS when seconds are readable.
**10:24**
